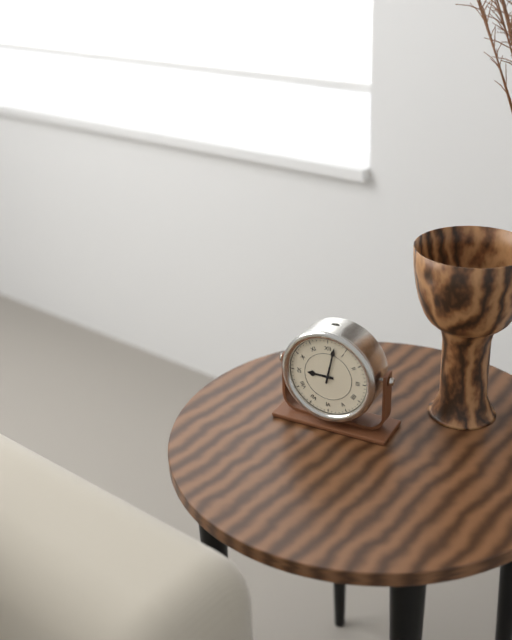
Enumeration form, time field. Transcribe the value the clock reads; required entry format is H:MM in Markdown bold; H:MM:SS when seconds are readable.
**9:02**
